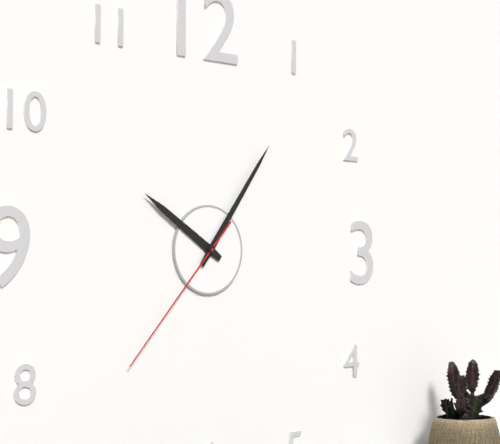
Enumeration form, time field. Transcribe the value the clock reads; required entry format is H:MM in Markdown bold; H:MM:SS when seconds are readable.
**10:06:37**
